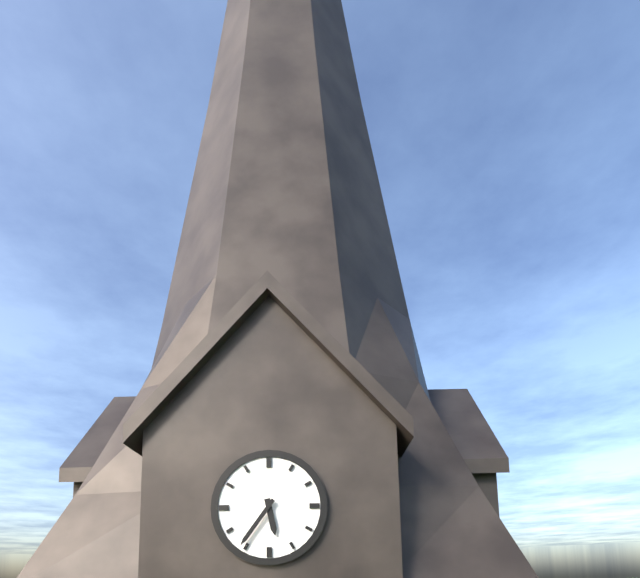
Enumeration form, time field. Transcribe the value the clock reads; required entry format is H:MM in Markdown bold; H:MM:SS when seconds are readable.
**5:36**
